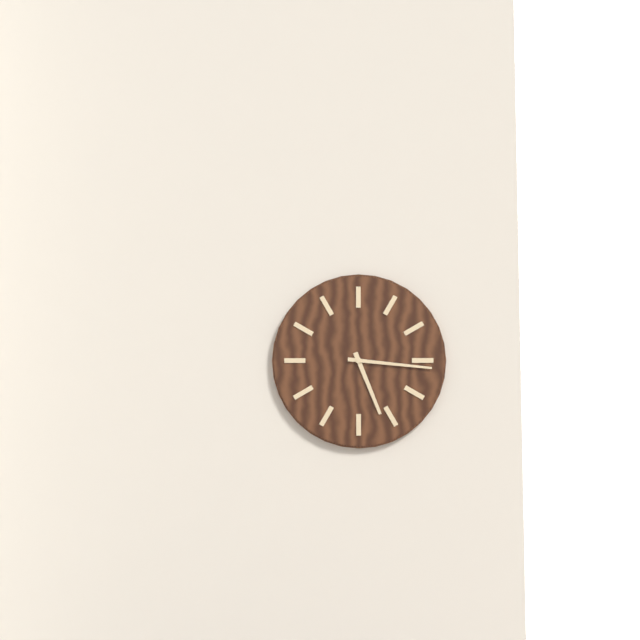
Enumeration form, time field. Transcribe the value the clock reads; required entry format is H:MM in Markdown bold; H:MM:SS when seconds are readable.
**5:16**
